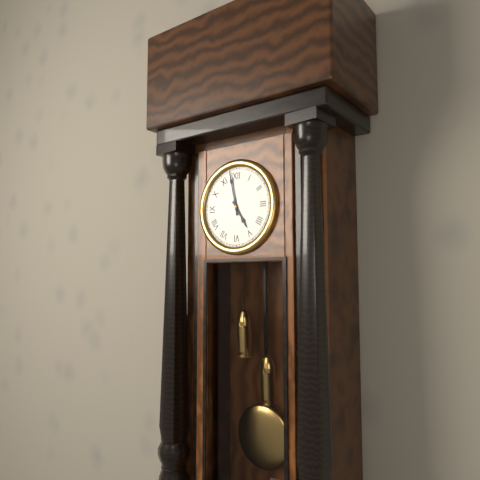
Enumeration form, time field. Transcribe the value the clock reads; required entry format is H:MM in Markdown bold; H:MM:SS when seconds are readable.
**4:58**
